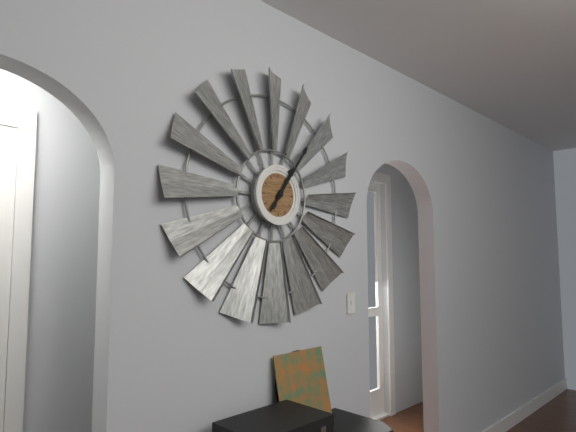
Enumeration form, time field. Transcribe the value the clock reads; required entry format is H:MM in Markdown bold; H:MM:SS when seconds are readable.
**1:06**
